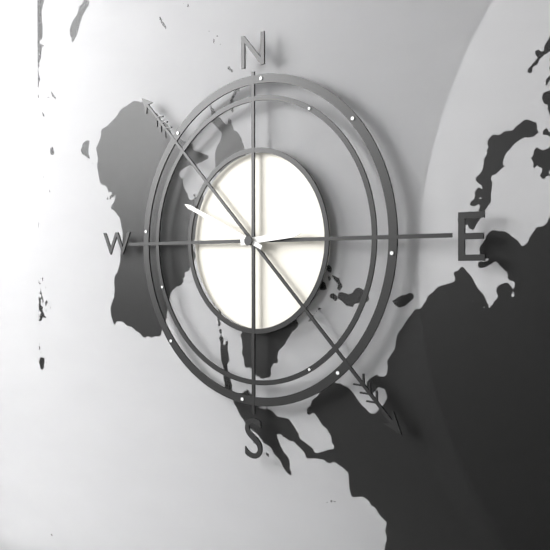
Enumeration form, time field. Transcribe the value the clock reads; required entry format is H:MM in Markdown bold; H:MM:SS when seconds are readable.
**2:49**
